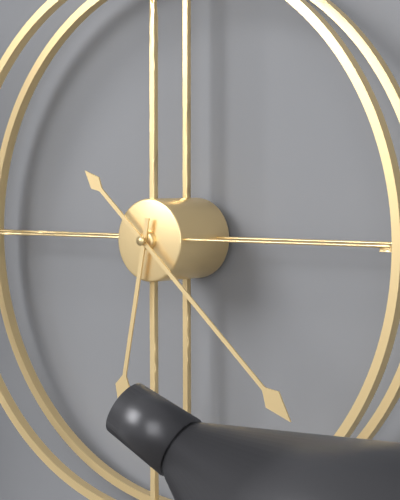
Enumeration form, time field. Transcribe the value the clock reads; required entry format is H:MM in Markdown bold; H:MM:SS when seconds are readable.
**6:22**
